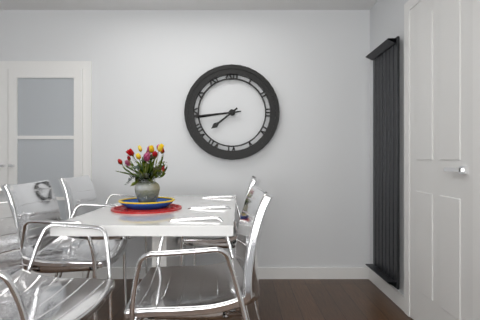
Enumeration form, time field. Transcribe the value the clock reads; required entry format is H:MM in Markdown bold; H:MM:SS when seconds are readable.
**7:44**
